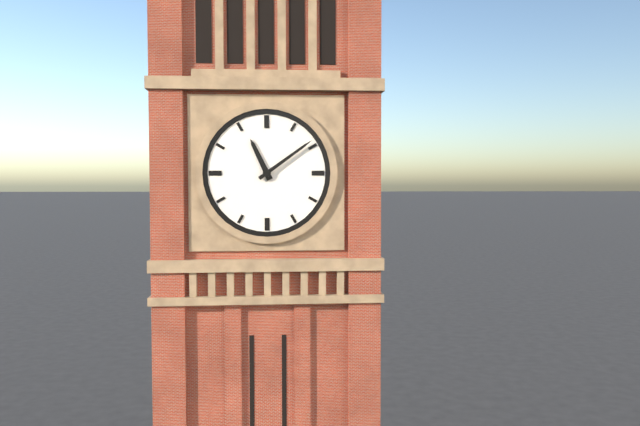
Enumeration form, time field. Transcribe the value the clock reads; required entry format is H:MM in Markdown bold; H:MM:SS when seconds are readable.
**11:09**
